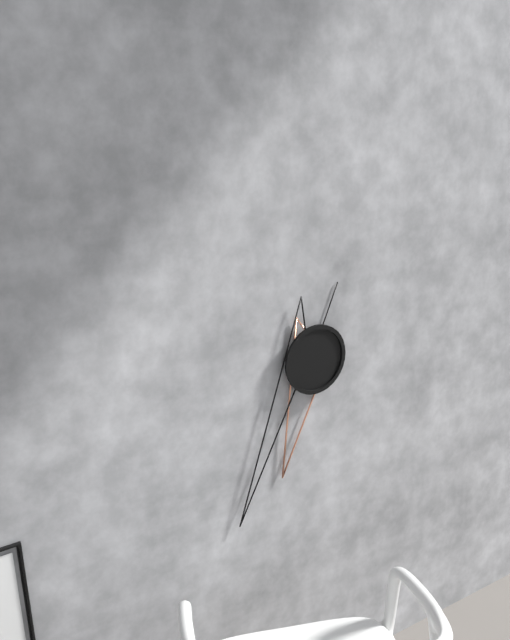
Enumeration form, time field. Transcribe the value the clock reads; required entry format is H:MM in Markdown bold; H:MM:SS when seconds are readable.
**6:35:04**
